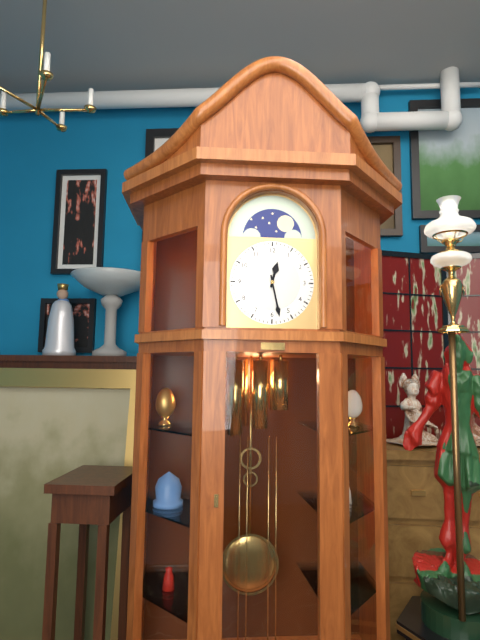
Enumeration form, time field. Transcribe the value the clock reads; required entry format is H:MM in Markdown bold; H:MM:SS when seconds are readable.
**12:28**
